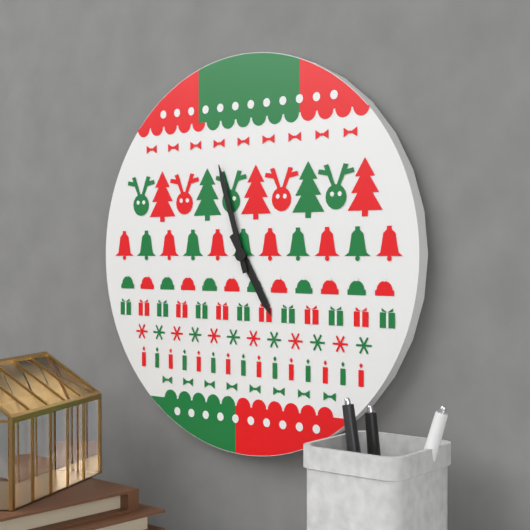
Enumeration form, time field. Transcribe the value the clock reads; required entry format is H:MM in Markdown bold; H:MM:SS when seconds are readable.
**4:57**
